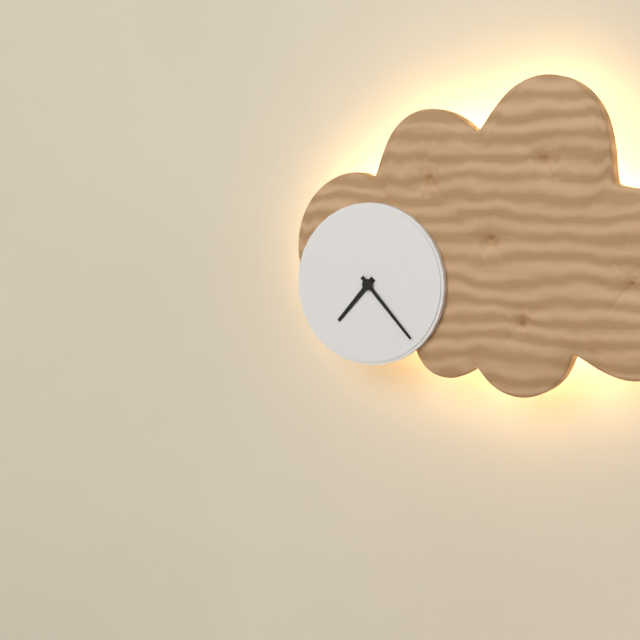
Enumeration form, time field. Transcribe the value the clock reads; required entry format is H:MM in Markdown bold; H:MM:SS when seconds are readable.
**7:23**
